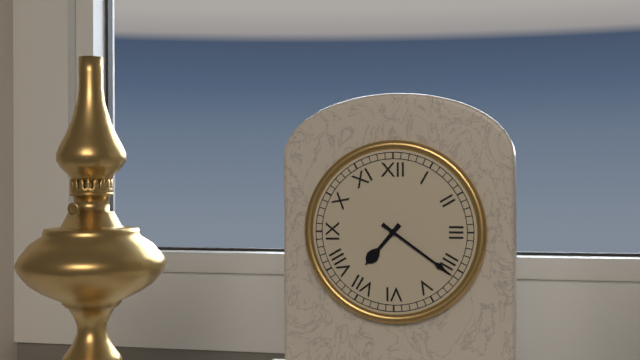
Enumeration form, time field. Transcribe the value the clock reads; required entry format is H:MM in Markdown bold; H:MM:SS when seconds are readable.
**7:21**
